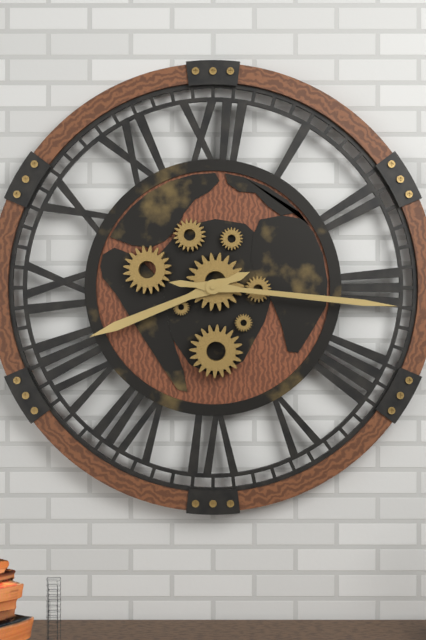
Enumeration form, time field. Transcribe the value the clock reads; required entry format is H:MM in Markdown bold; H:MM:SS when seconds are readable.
**8:16**
